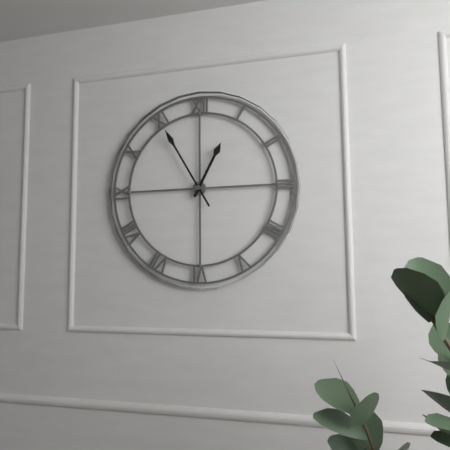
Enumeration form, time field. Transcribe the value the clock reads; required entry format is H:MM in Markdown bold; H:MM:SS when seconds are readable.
**12:55**
